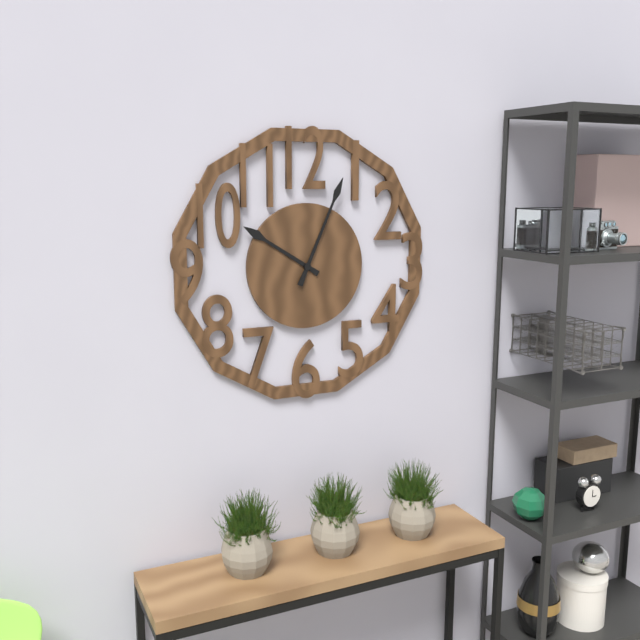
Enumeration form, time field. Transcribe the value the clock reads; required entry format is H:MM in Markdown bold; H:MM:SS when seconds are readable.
**10:04**
